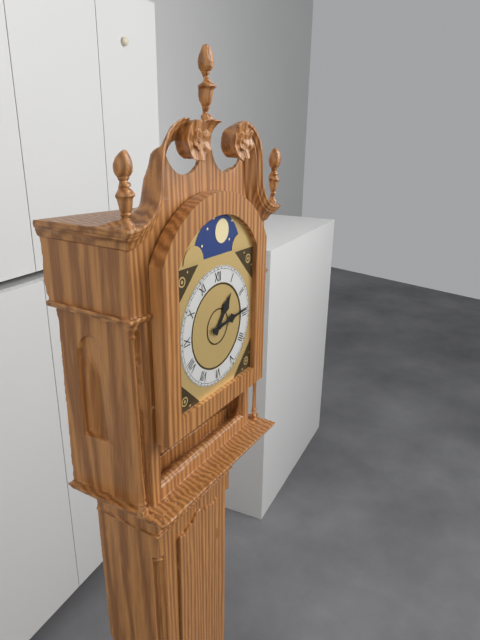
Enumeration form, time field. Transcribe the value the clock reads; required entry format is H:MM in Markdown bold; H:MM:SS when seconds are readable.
**1:14**
